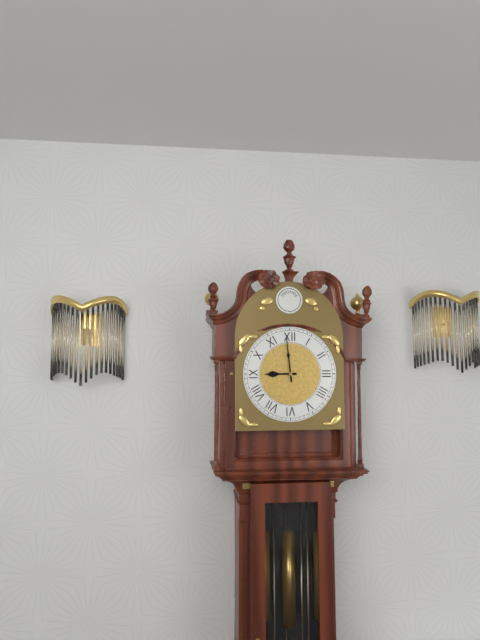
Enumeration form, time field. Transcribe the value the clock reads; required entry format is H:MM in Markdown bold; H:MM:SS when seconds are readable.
**8:59**
